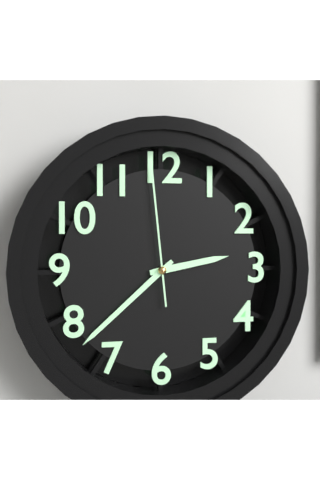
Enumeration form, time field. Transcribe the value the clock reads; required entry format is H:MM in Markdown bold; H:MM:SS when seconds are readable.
**2:38:59**
